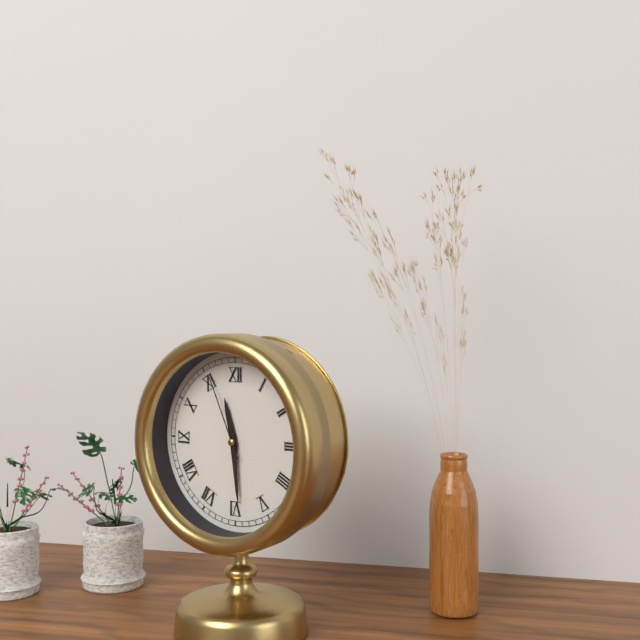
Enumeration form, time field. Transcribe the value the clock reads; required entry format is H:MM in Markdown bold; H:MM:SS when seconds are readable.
**11:29:56**
